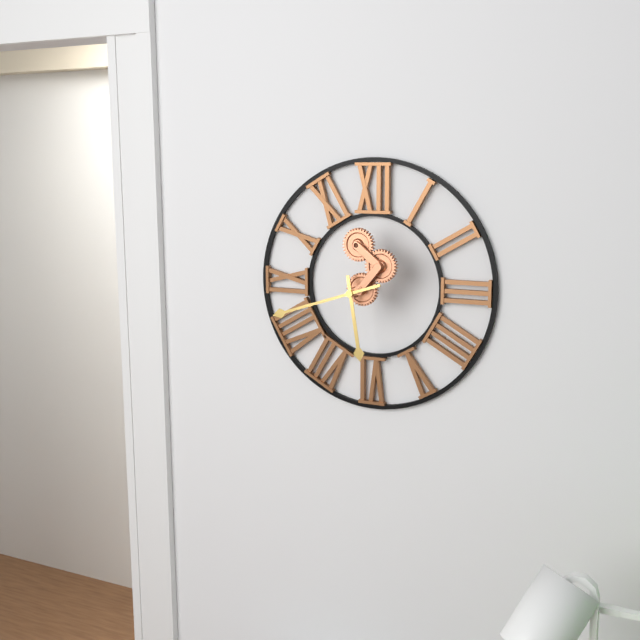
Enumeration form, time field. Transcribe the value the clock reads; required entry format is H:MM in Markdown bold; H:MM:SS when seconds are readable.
**5:42**
